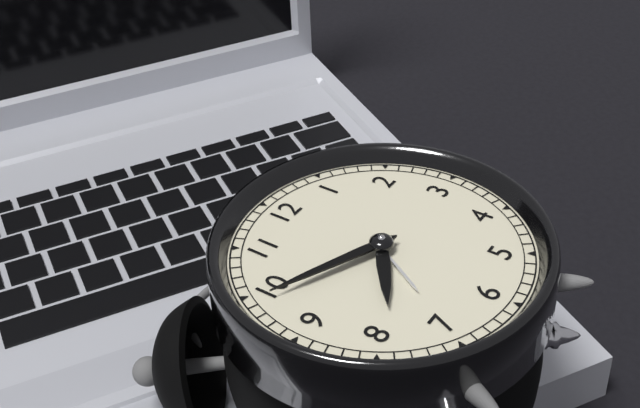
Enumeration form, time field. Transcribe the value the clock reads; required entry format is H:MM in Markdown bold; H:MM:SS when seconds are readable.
**7:49**
